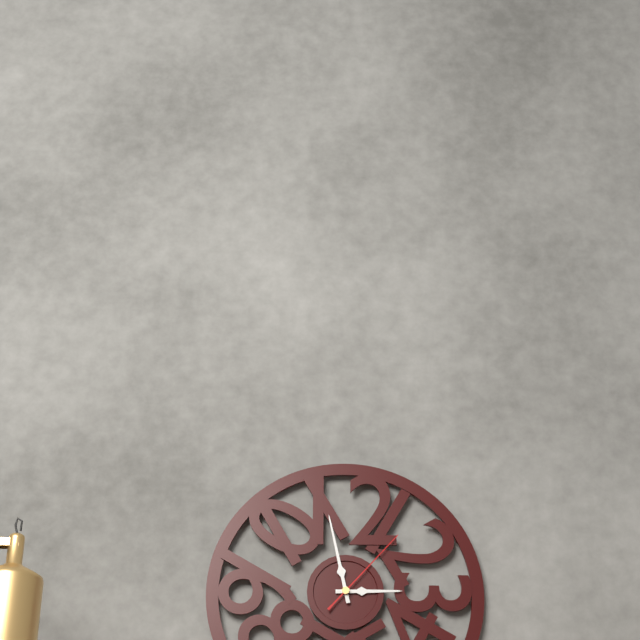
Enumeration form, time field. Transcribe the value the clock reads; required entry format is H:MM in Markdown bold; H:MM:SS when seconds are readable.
**2:58:07**
